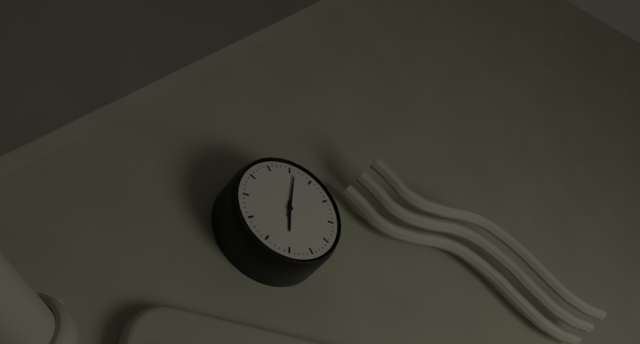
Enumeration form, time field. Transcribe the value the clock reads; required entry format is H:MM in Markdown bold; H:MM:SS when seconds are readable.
**6:01**
